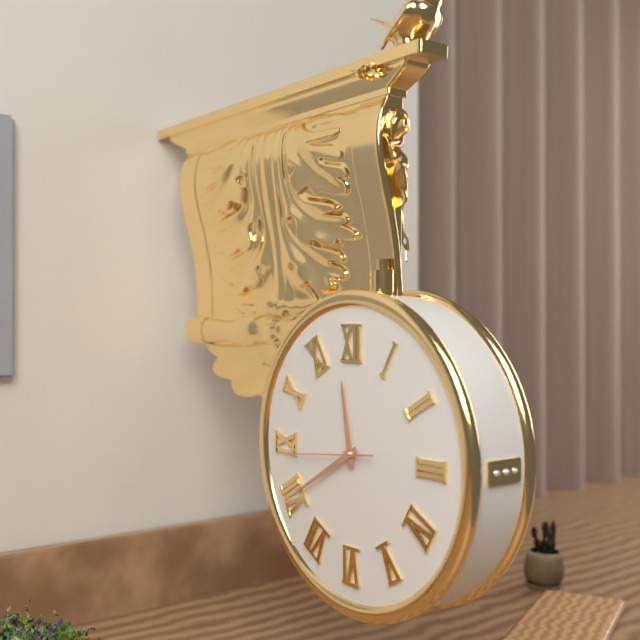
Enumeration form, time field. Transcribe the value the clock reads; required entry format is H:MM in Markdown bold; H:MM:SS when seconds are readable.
**11:40:44**
